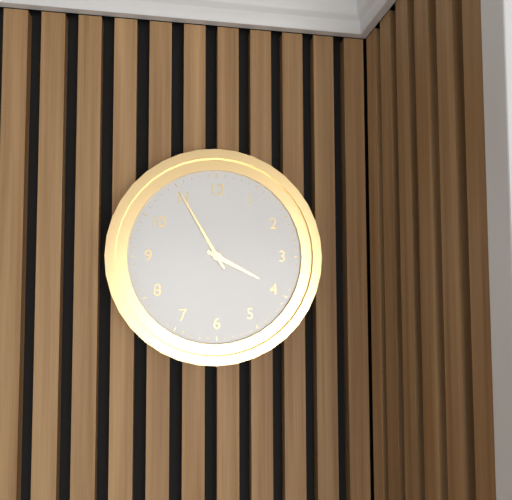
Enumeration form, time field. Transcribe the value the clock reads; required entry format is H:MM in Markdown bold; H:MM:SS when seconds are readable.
**3:55**
